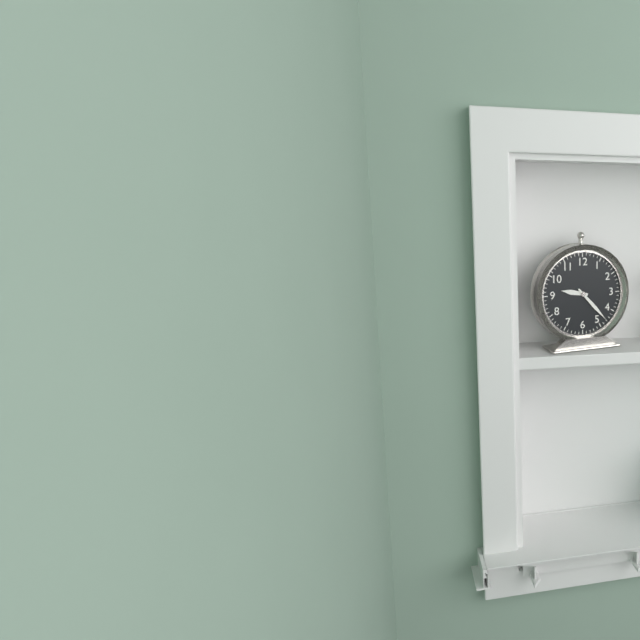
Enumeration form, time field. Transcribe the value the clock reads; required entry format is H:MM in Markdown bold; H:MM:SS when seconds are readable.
**9:23**
